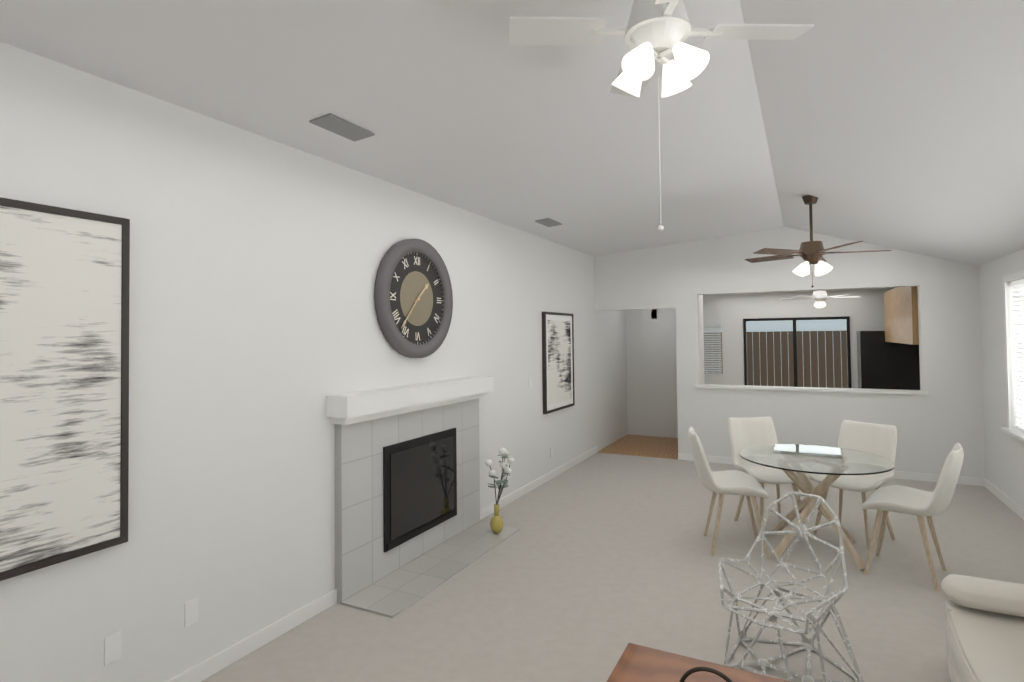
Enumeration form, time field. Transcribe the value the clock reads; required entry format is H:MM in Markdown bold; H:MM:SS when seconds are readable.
**1:37**
